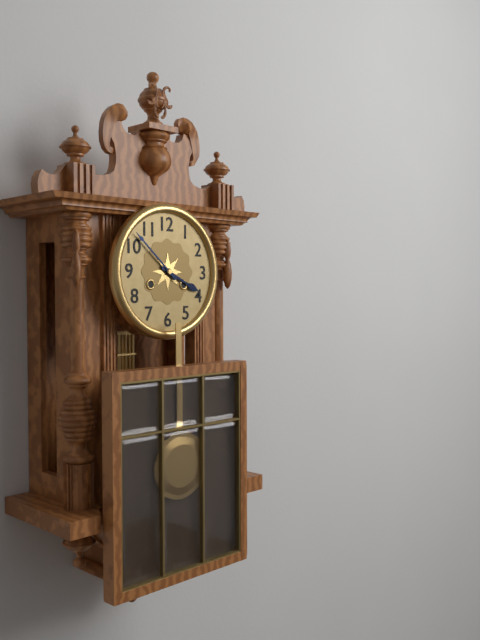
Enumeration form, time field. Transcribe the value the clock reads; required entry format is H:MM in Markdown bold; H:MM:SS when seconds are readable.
**3:52**
